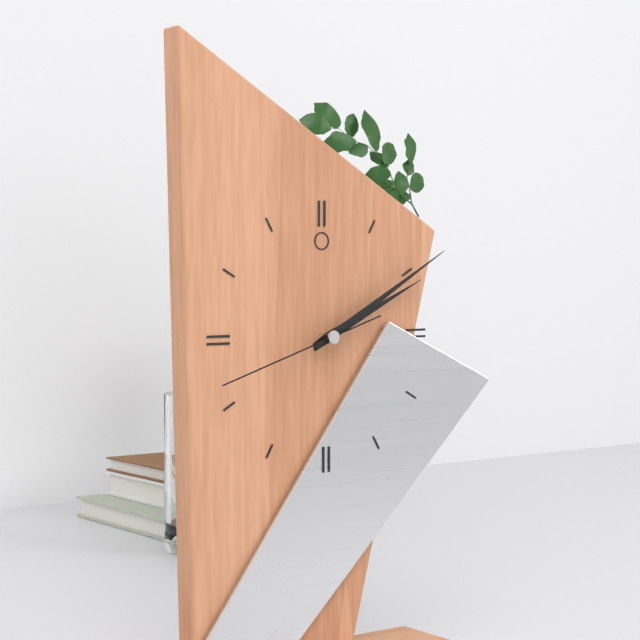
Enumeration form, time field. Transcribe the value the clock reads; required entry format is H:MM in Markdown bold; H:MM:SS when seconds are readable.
**2:10:42**
